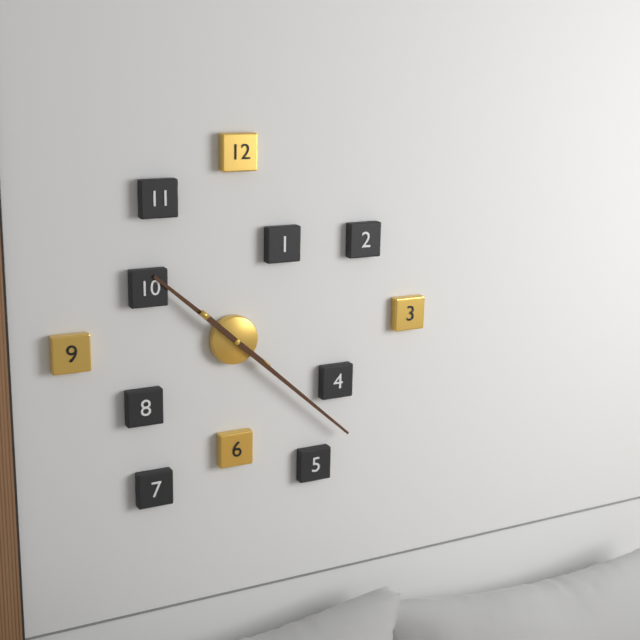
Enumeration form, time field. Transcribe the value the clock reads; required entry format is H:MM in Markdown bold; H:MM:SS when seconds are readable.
**10:22**
